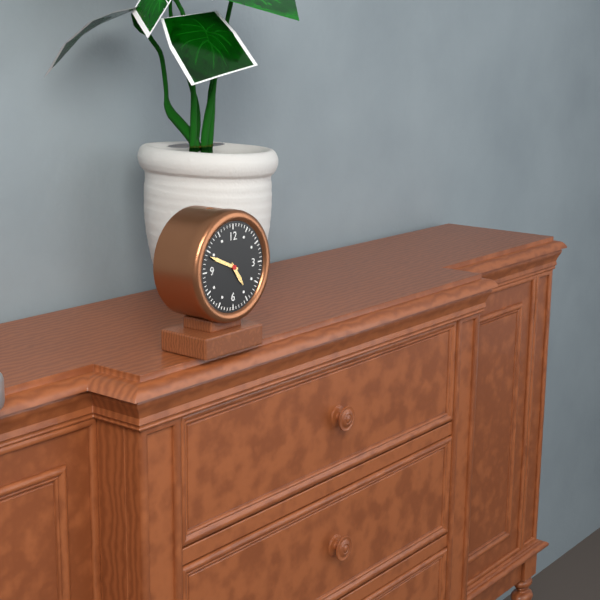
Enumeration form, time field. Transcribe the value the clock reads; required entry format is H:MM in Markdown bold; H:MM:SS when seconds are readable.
**4:49**
